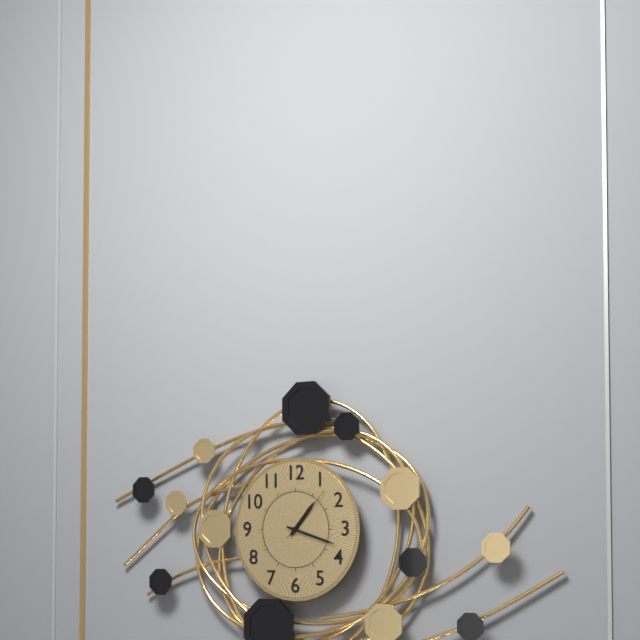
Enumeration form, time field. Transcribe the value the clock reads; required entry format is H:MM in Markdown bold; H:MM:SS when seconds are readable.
**1:18:07**
